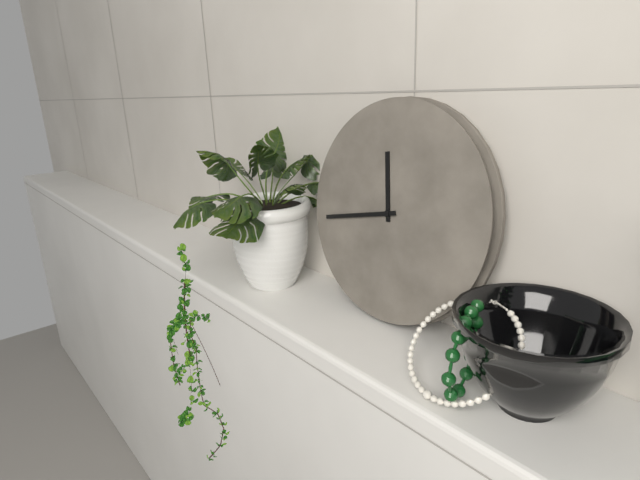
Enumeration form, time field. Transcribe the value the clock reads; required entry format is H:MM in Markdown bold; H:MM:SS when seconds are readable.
**11:43**
